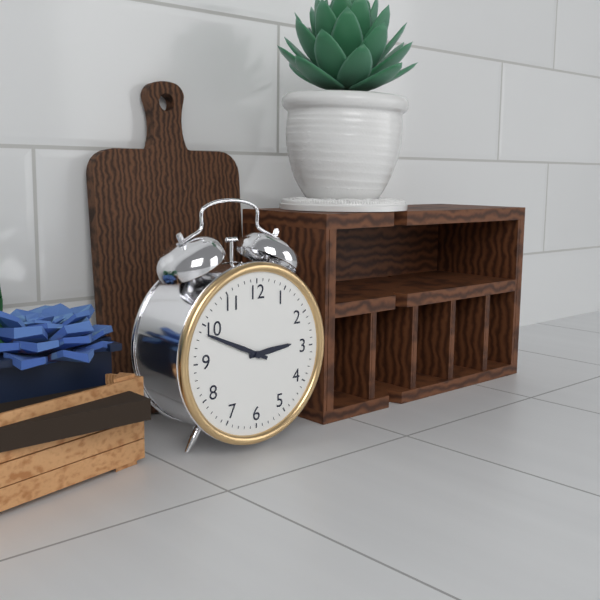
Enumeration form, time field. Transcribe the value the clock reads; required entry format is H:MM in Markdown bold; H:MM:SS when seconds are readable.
**2:49**
